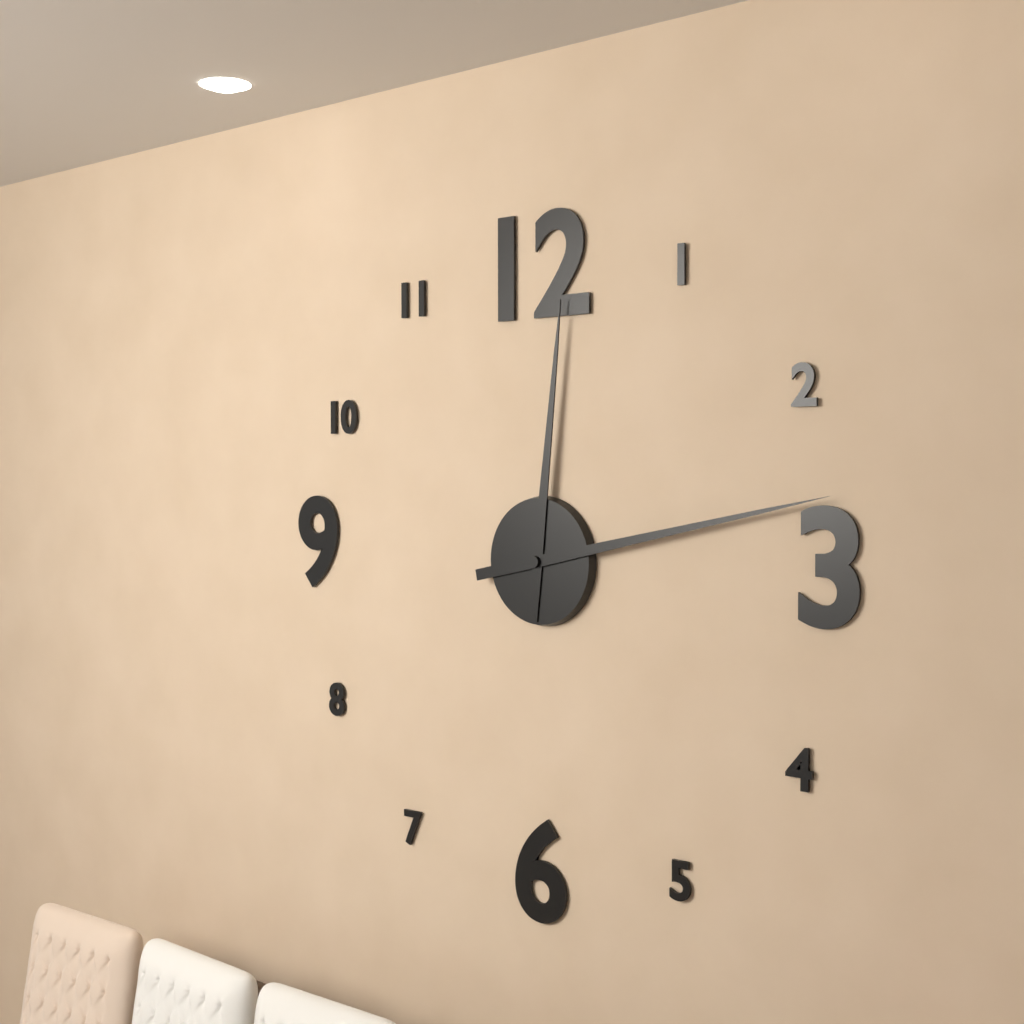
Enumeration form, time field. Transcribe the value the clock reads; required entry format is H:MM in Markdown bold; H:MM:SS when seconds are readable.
**12:13**
